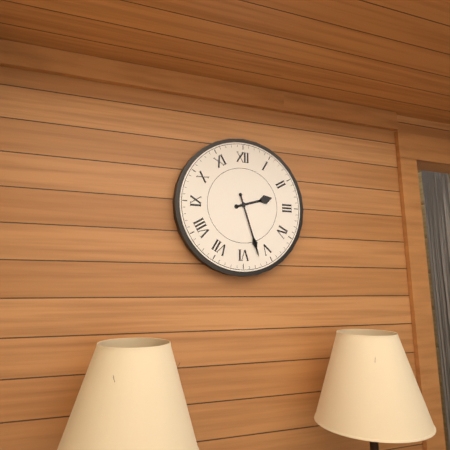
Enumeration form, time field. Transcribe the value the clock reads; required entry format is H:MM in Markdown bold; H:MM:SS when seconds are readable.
**2:27**
